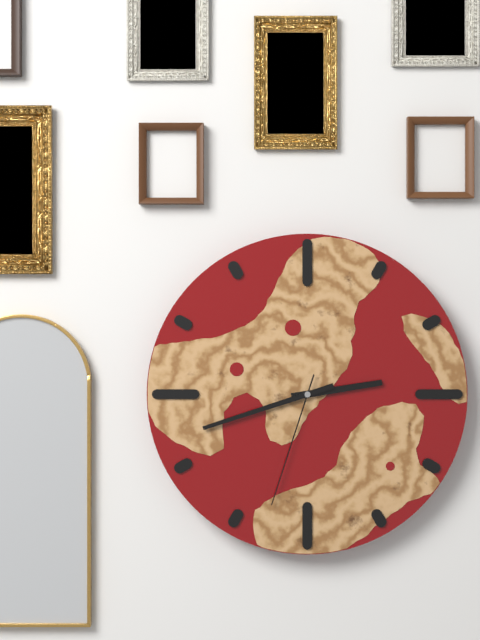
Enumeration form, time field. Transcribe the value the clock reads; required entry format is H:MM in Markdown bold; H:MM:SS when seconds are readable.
**2:42:33**
